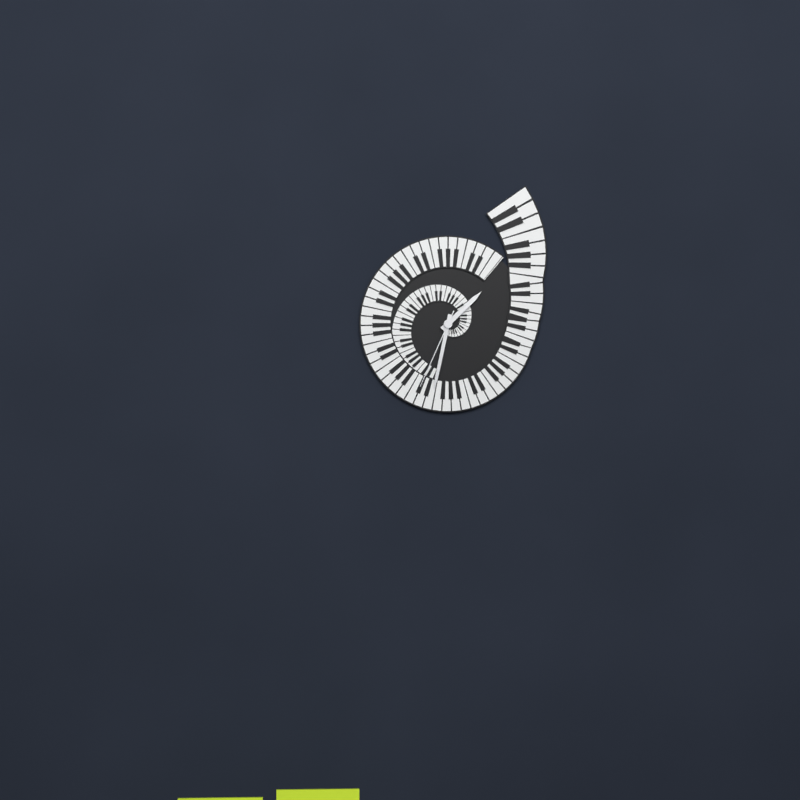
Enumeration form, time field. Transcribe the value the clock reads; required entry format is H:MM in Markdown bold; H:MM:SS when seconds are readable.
**1:32:34**
